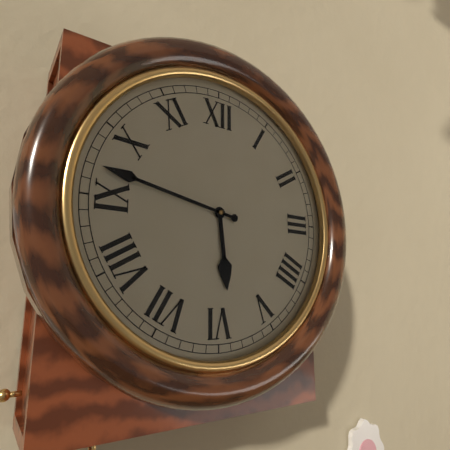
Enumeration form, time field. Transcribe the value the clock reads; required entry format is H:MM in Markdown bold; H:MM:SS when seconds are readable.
**5:47**
